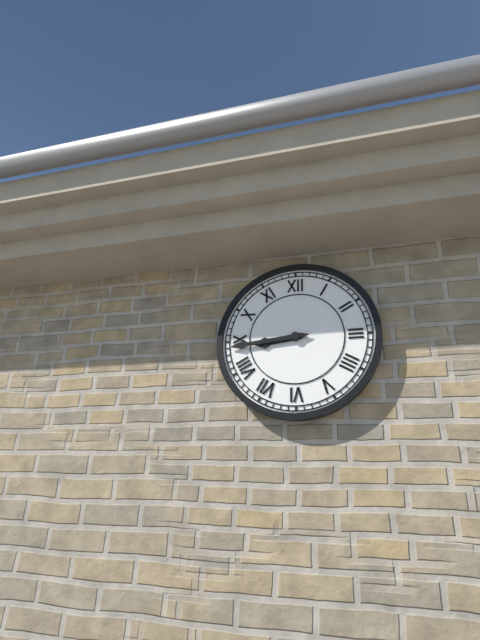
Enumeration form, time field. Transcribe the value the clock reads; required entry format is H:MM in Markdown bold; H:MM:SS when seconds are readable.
**8:44**
